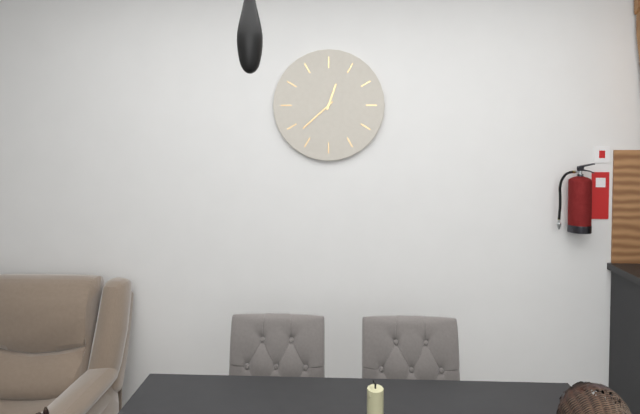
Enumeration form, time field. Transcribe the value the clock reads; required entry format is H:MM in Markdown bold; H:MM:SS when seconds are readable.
**12:38**
